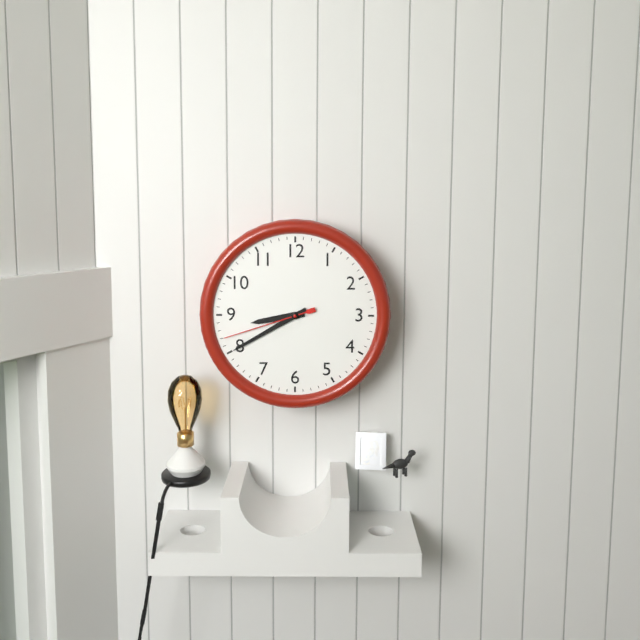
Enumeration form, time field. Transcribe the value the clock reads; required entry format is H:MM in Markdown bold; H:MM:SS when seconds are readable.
**8:40:42**
